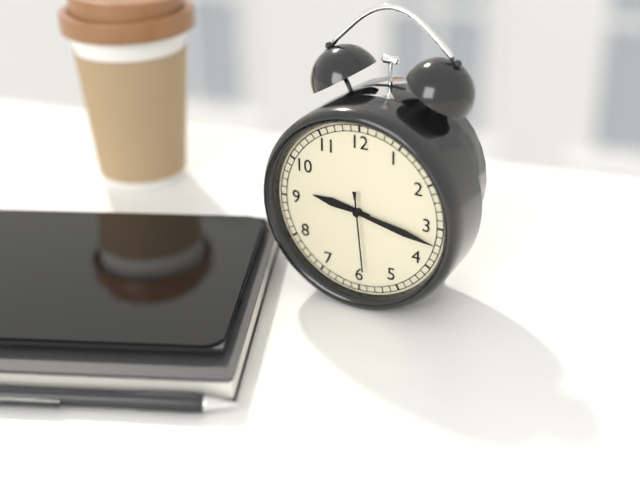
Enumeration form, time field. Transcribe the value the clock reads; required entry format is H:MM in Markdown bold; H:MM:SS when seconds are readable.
**9:17:29**
